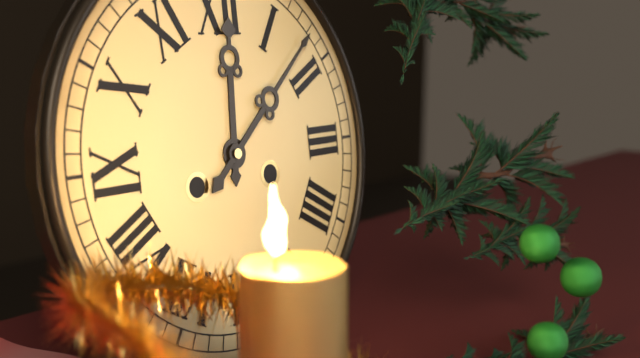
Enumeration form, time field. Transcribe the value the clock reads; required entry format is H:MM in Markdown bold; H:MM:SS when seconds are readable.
**12:08**
